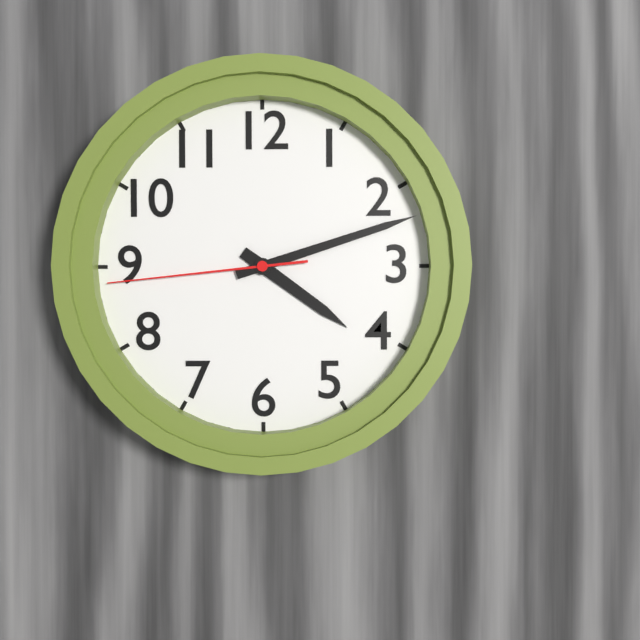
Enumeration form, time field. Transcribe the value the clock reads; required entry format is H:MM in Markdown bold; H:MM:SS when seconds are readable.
**4:12:44**
